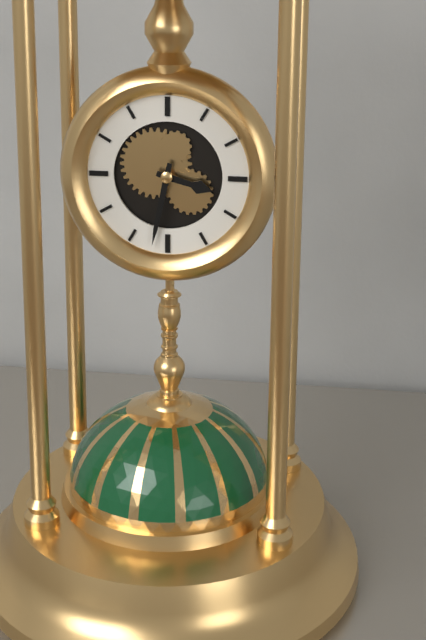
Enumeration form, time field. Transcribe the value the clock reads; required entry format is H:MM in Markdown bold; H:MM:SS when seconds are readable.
**3:32**
